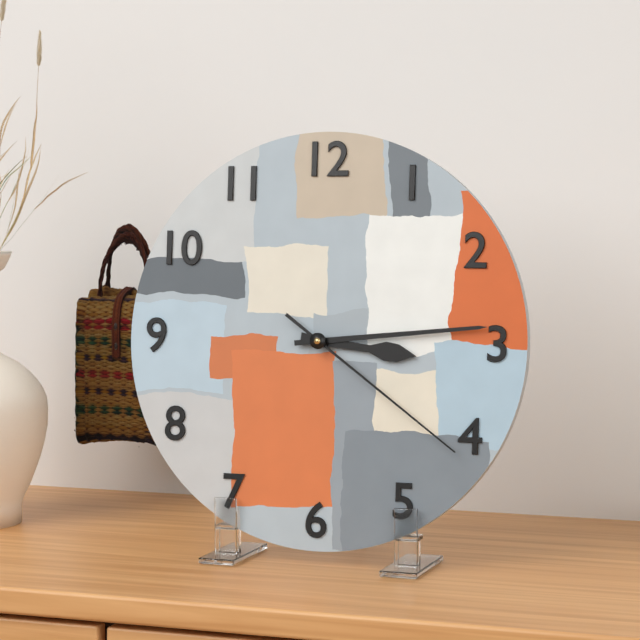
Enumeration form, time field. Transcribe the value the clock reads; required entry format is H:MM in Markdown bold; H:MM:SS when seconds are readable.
**3:14:21**
